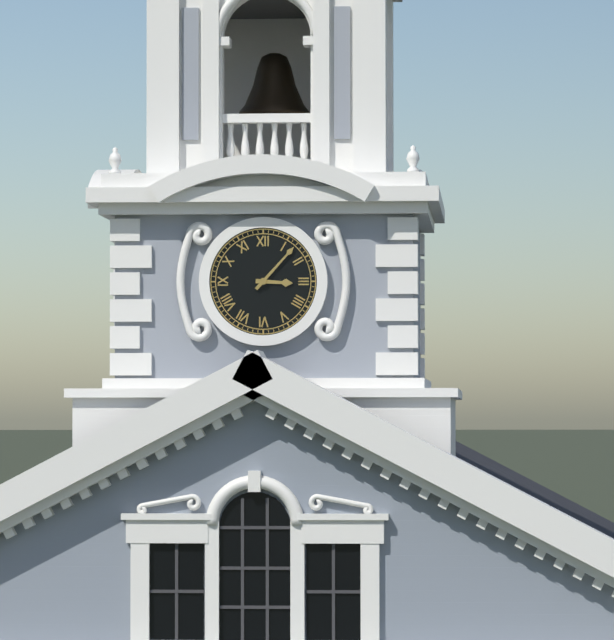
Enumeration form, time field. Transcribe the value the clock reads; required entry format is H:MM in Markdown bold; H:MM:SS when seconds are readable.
**3:07**
